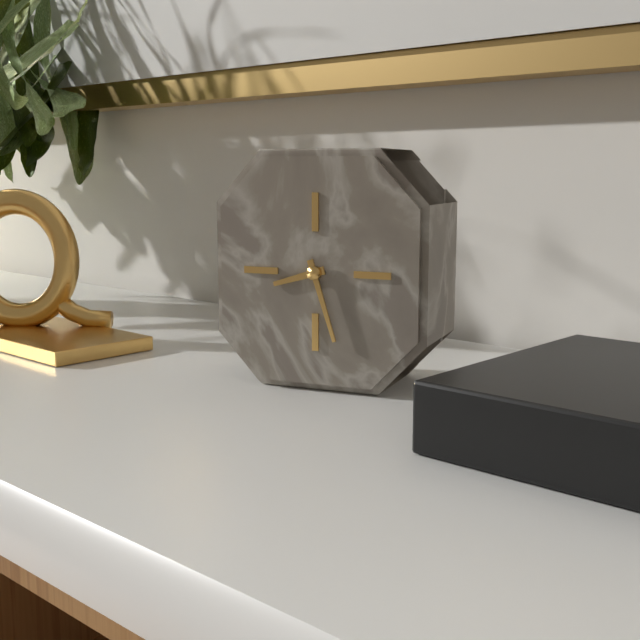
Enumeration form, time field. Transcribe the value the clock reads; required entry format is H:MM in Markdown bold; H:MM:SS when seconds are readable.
**8:27**
